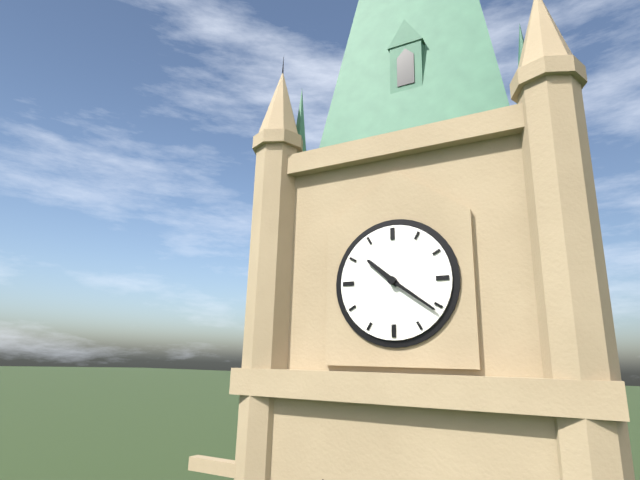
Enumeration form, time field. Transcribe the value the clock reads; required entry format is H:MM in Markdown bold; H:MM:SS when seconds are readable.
**10:21**
